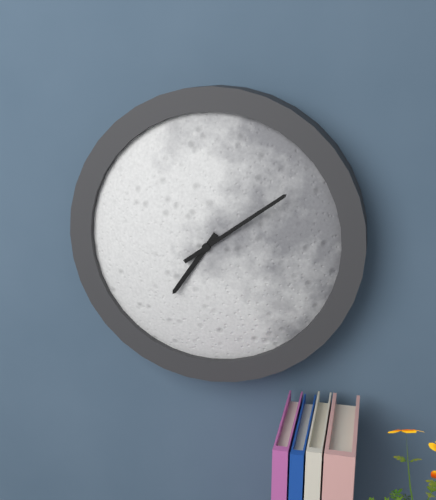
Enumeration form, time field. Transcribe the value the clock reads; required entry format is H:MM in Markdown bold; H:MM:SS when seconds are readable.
**7:09**
